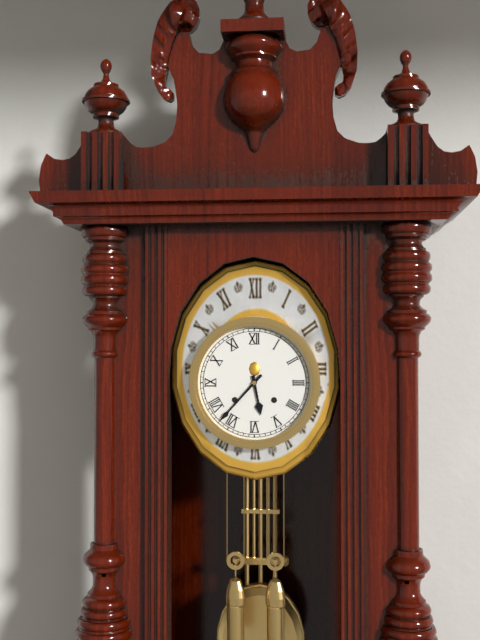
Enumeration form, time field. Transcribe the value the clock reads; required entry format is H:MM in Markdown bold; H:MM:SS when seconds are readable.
**5:37**
